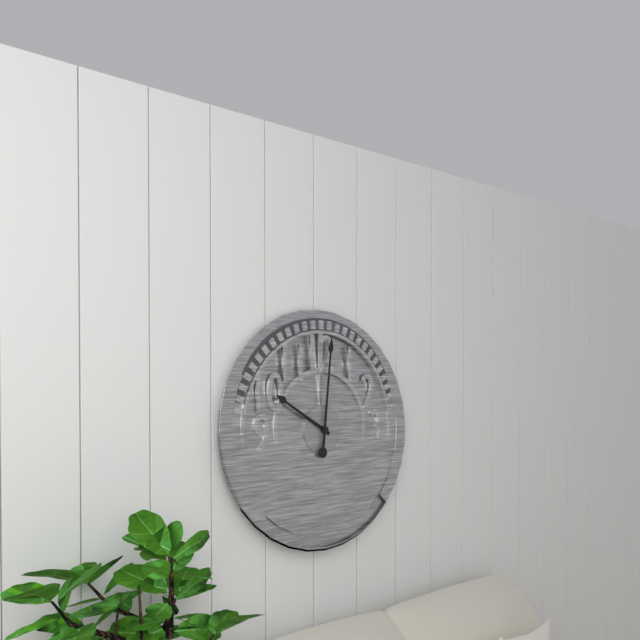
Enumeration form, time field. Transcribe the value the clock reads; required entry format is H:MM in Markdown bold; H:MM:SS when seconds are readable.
**10:01**
